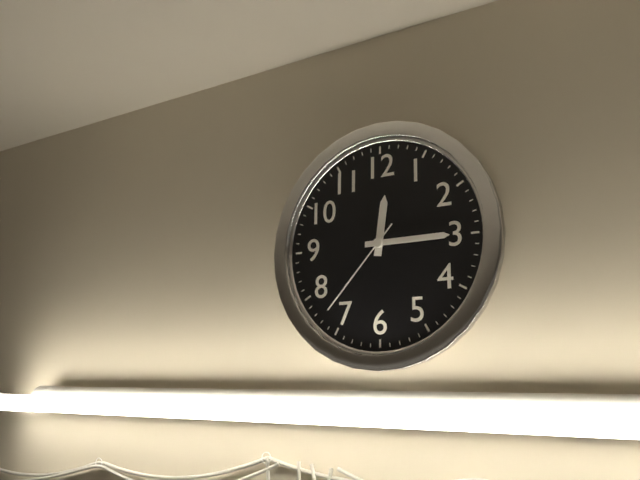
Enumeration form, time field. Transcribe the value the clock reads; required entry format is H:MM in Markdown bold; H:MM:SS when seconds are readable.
**12:15:37**
